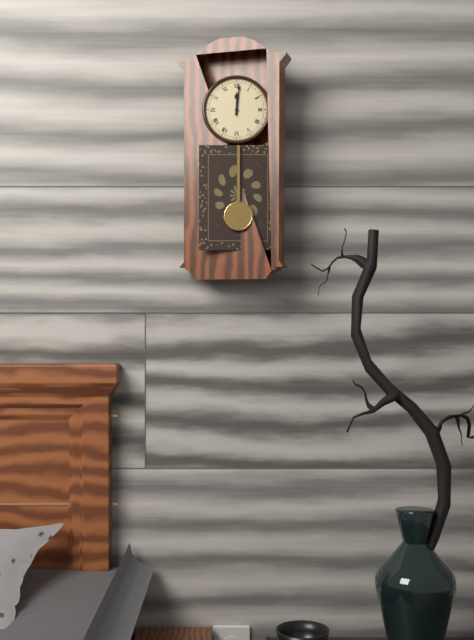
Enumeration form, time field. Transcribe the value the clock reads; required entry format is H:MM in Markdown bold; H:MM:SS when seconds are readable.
**12:01**
